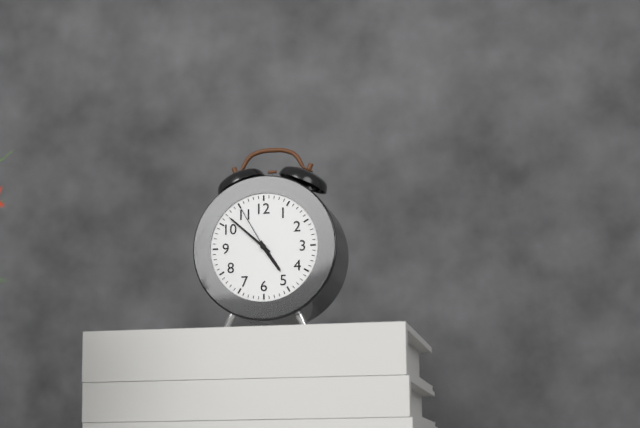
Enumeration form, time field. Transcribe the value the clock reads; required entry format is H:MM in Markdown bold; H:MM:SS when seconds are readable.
**4:52:55**
